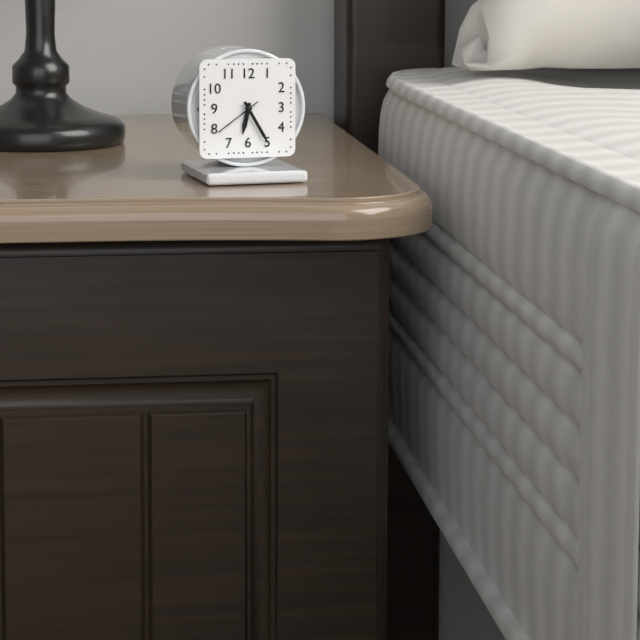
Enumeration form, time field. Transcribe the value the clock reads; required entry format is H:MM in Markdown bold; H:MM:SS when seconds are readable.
**6:25**
